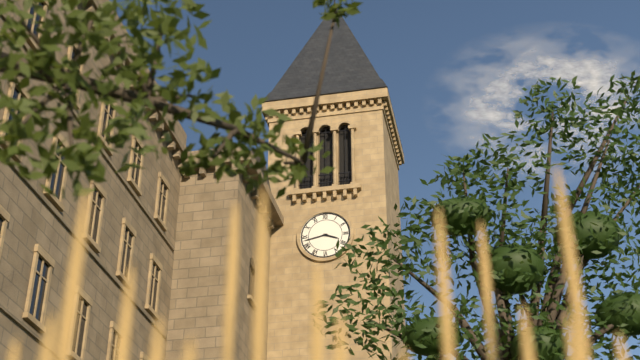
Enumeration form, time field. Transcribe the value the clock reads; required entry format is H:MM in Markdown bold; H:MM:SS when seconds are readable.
**3:43**
